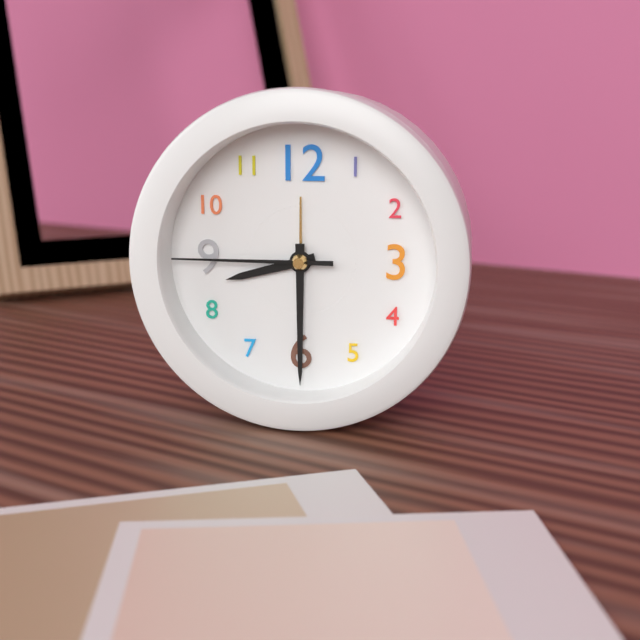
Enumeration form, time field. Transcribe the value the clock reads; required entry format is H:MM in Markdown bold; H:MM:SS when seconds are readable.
**8:30:45**
